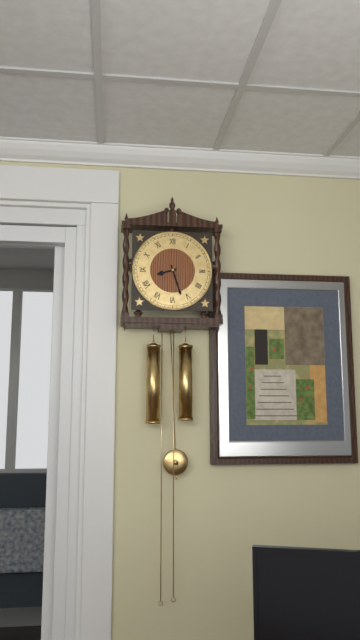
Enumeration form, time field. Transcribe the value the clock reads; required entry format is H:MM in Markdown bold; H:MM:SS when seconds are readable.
**8:27**
